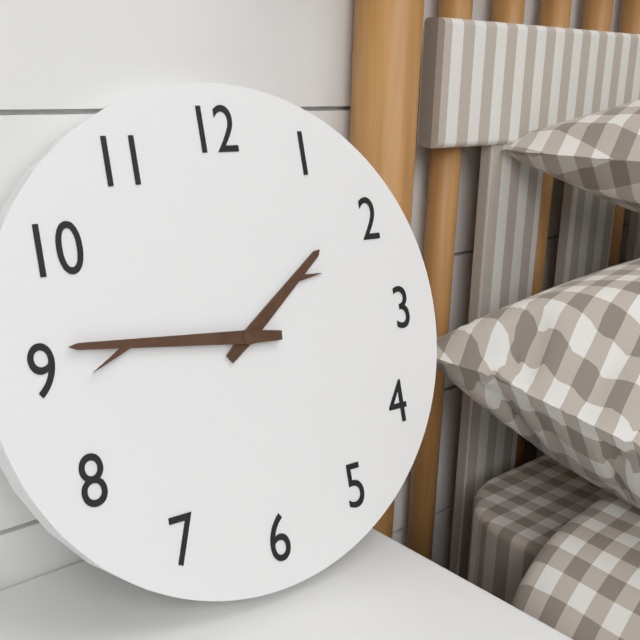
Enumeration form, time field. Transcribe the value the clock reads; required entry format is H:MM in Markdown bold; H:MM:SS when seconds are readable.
**1:46**
